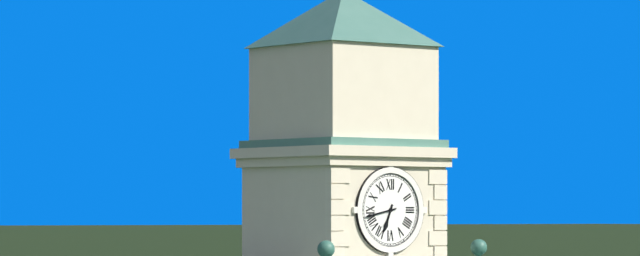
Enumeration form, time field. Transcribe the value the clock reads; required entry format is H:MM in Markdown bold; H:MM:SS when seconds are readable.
**6:43**
